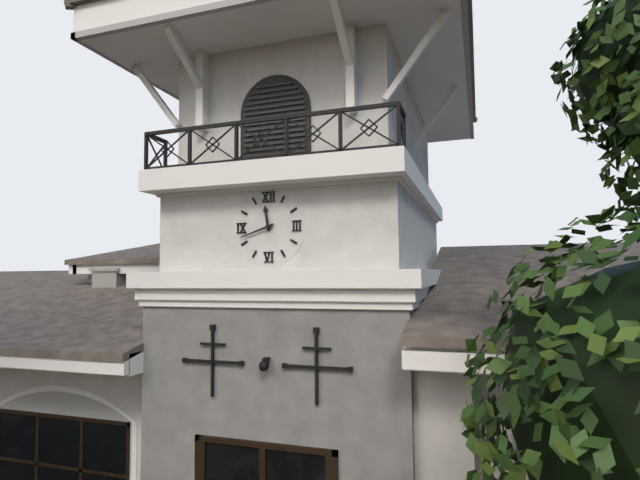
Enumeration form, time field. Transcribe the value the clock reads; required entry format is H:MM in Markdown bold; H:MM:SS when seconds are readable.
**11:42**
